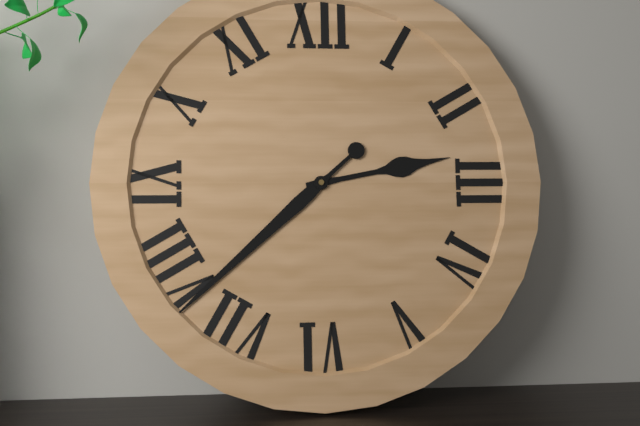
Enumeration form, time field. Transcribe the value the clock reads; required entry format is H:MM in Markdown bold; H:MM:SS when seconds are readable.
**2:38**
